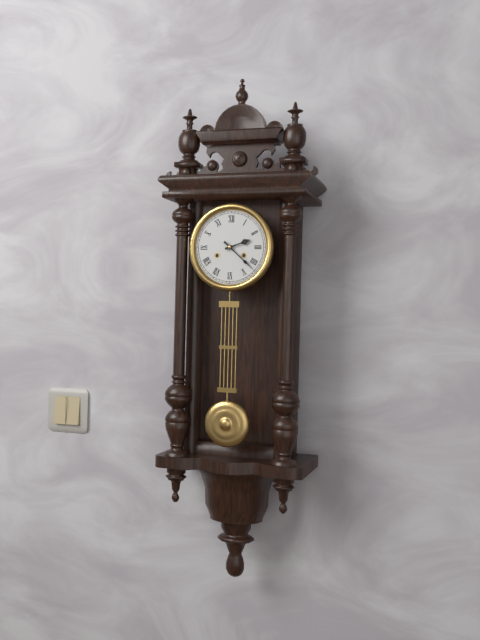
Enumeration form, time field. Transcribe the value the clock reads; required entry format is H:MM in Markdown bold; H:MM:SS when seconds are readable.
**2:22**
